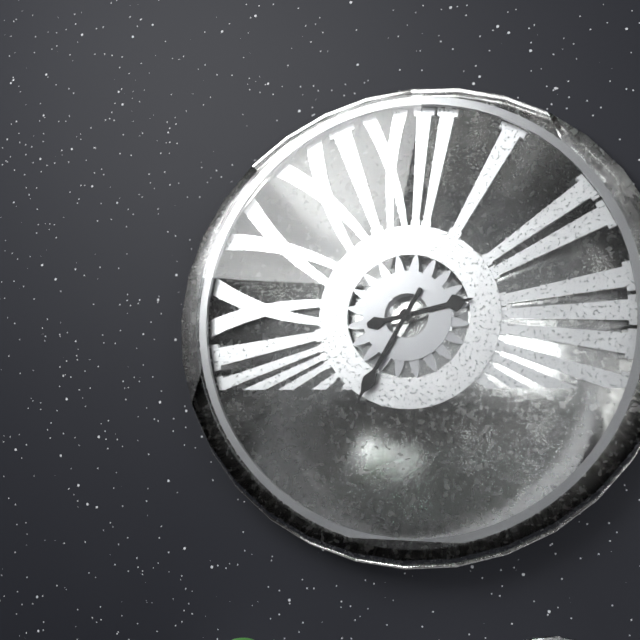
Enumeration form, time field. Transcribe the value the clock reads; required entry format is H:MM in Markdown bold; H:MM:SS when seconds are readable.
**2:35**
